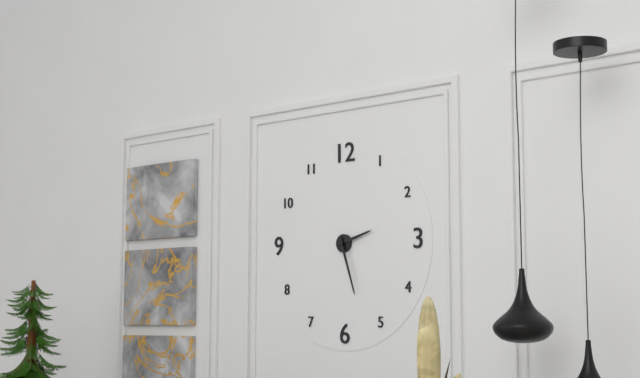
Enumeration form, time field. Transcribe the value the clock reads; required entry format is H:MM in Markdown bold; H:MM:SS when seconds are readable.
**2:27**
